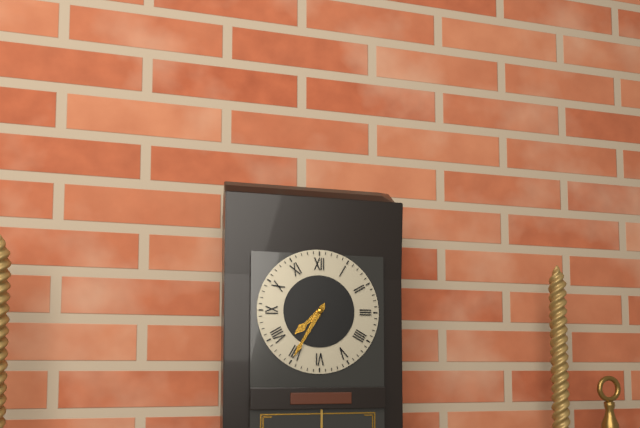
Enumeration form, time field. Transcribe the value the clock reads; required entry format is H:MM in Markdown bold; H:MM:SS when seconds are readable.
**7:35**
